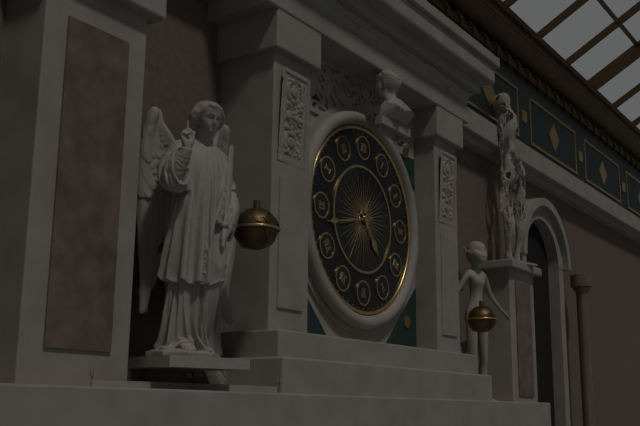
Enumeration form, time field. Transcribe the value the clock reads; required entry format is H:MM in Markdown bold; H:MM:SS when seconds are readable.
**4:43**
